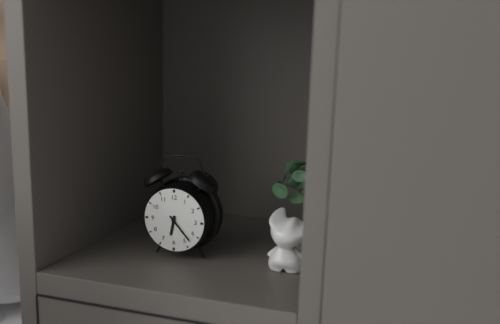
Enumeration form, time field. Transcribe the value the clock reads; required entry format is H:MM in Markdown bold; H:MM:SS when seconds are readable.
**6:23**
